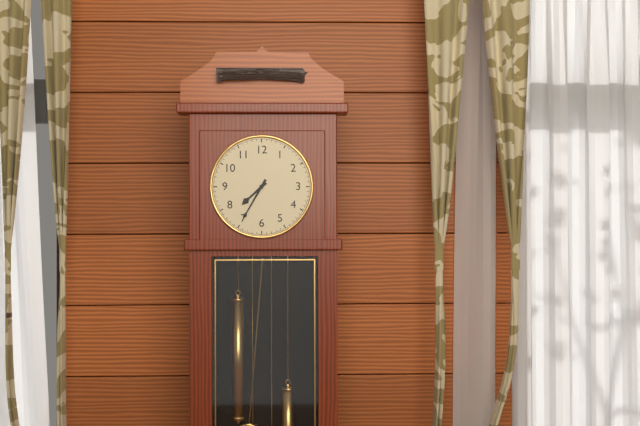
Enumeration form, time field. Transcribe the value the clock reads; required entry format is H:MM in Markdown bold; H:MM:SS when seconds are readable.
**7:35**
